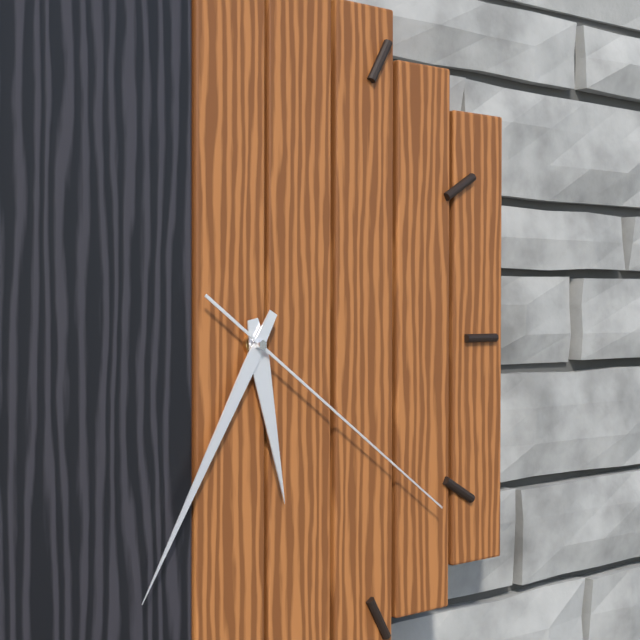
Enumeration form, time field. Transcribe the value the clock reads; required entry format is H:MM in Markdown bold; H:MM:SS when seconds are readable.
**5:35:21**
